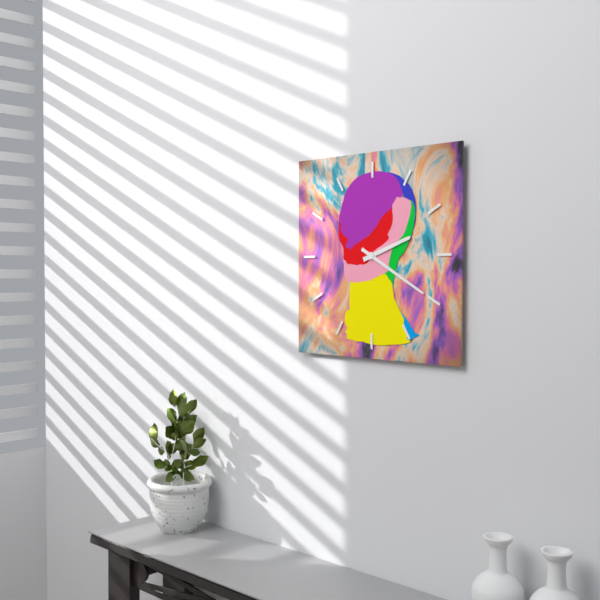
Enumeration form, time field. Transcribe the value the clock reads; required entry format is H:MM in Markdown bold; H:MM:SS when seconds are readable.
**2:20**
